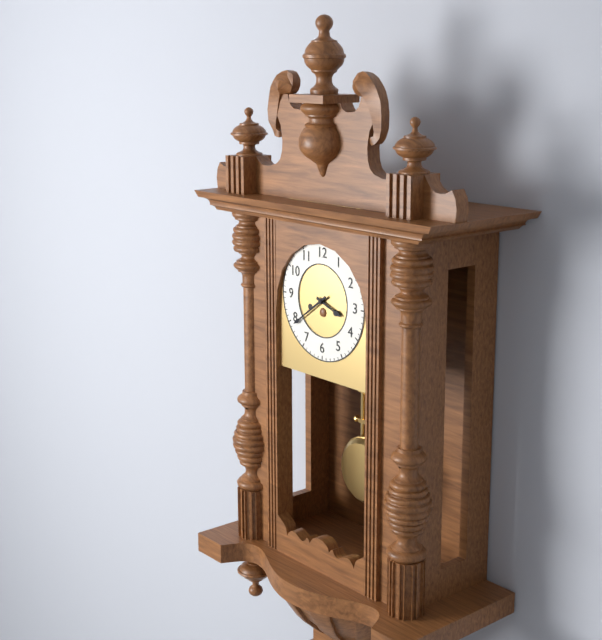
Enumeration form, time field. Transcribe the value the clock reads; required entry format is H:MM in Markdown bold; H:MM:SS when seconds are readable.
**3:39**
